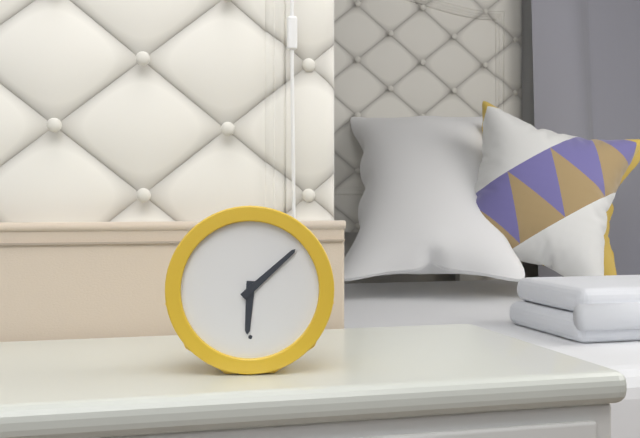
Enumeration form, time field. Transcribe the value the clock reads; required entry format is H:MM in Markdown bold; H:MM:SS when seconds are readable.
**6:08**
